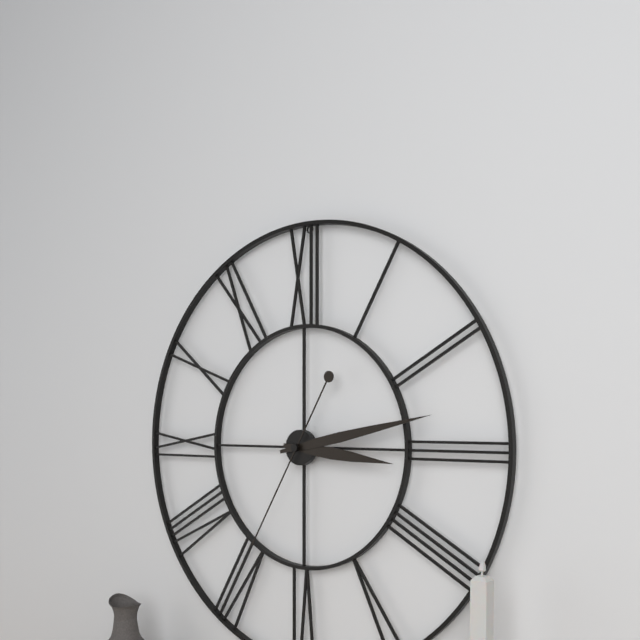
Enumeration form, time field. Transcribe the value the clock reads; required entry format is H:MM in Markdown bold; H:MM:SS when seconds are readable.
**3:13:35**
